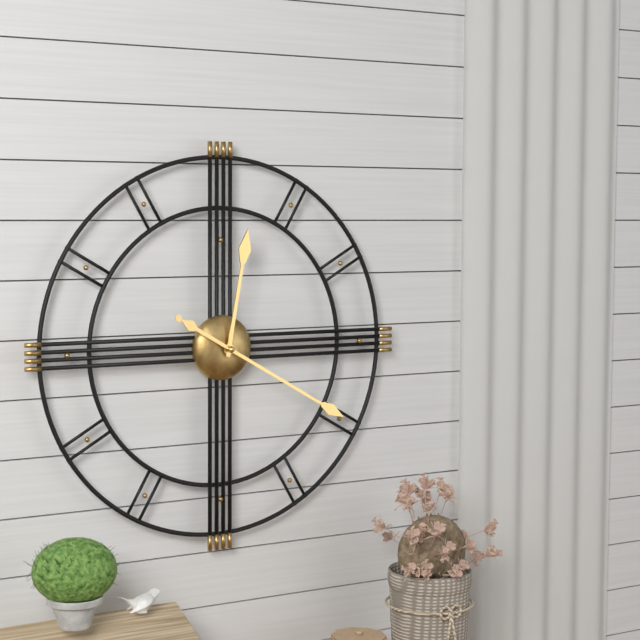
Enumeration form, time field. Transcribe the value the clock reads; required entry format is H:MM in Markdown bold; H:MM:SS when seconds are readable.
**12:20**
